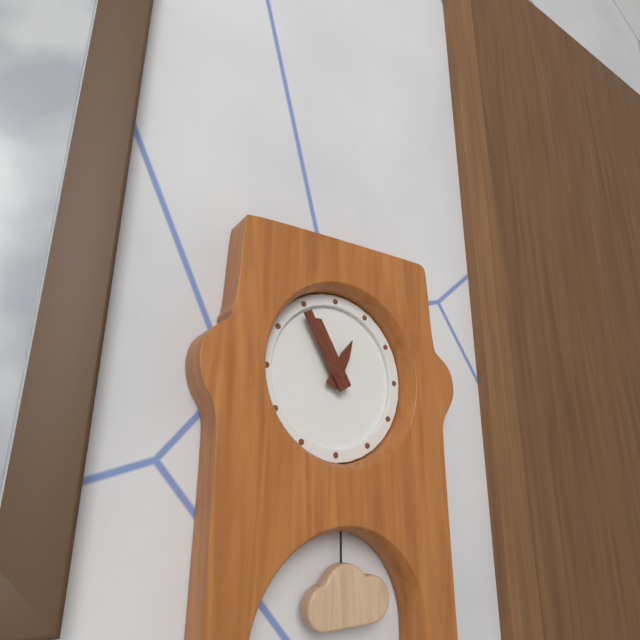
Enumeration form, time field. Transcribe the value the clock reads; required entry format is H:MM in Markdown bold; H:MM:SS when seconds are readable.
**12:55**
